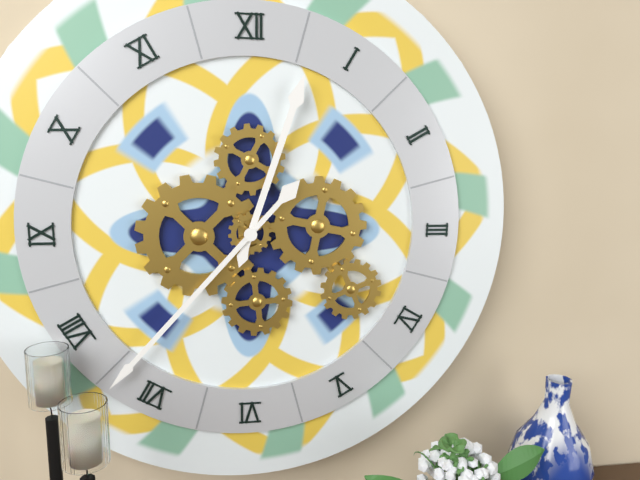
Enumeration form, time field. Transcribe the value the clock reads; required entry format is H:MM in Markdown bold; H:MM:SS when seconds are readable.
**12:37**
